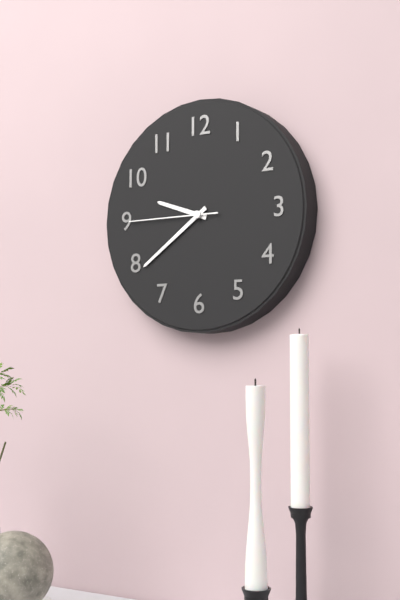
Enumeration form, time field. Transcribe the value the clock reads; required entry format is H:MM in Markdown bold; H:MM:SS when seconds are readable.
**9:39:45**
